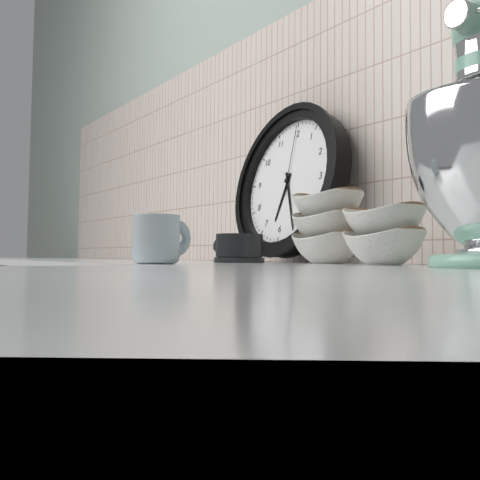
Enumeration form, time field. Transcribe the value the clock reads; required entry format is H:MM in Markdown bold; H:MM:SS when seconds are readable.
**6:26:00**
